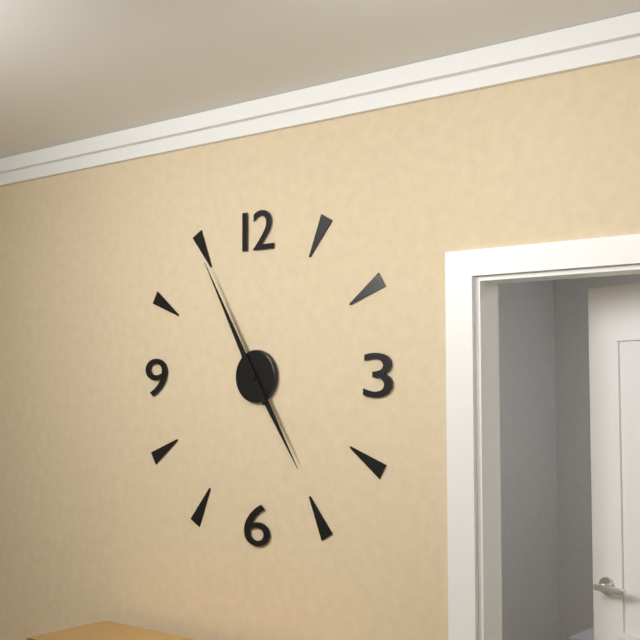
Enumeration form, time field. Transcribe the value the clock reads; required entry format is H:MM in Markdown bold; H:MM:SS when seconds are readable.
**4:55**
